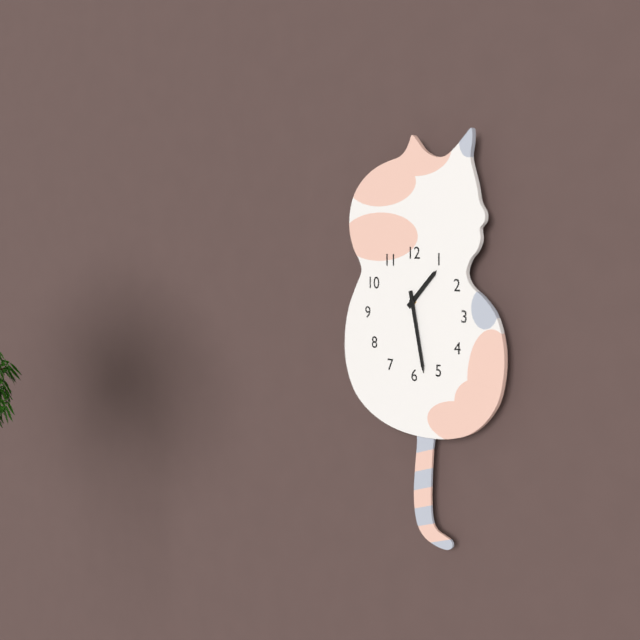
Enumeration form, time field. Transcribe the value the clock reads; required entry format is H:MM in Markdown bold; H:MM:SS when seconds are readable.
**1:28**
